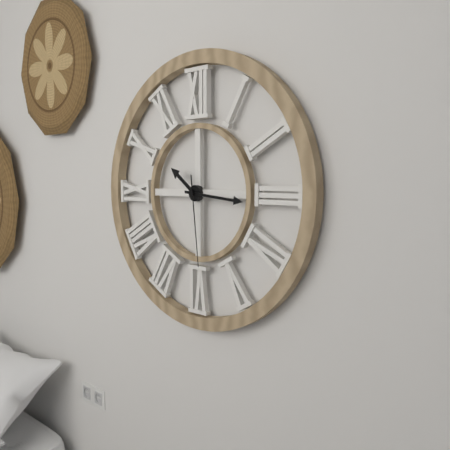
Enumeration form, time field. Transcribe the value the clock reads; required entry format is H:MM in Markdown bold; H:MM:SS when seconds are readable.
**10:16:29**
